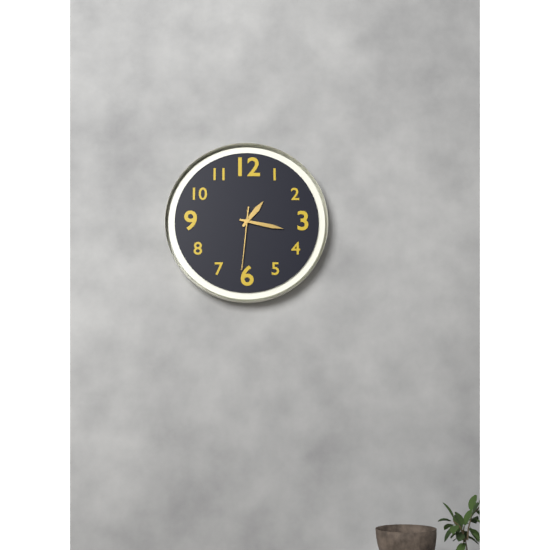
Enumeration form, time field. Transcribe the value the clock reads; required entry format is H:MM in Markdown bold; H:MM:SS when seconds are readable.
**1:17:31**
